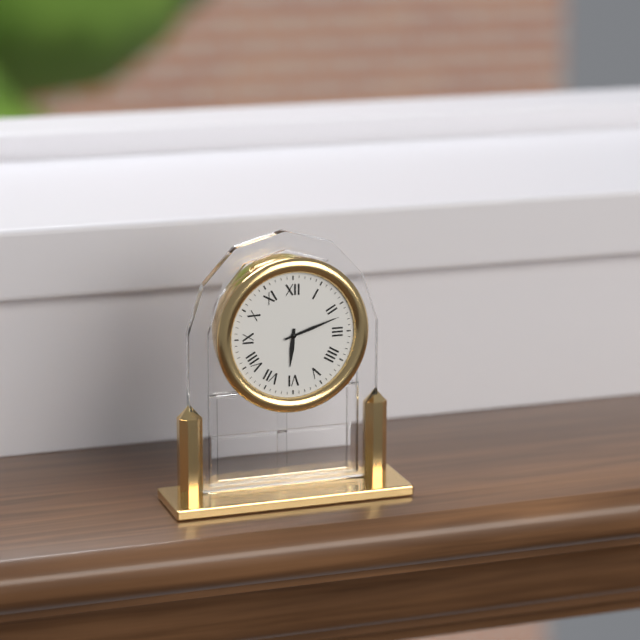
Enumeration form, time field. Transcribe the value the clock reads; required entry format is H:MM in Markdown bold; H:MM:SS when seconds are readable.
**6:12**
